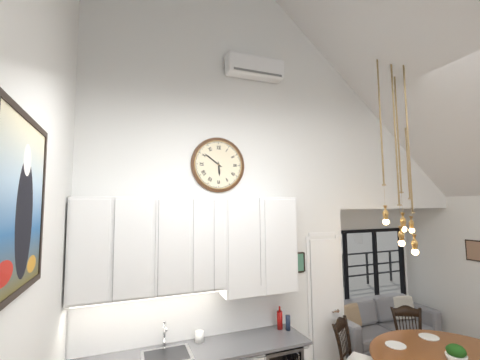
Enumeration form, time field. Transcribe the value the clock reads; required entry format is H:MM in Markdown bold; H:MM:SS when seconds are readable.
**5:51**
